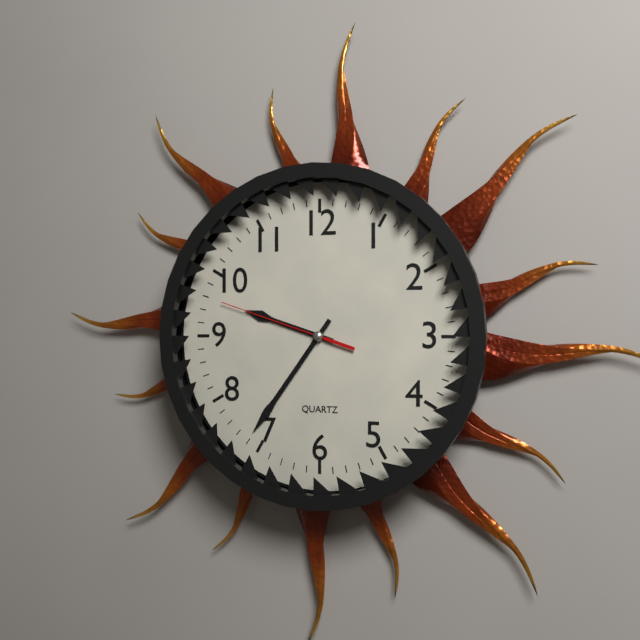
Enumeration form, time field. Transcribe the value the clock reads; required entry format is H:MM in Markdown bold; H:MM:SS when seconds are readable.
**9:36:48**
